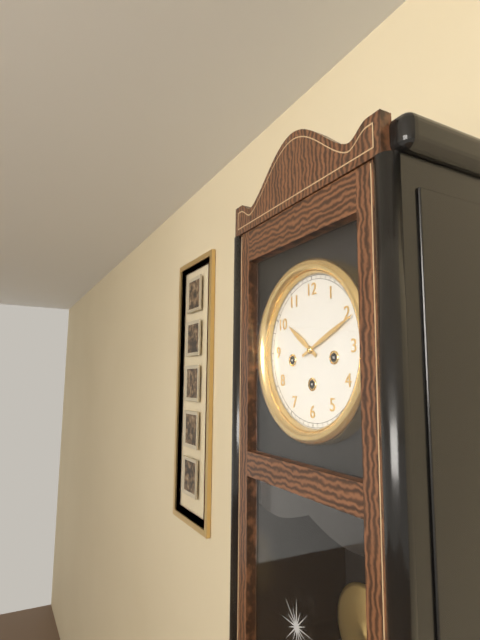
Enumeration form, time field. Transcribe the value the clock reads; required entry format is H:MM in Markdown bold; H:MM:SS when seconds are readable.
**10:11**
